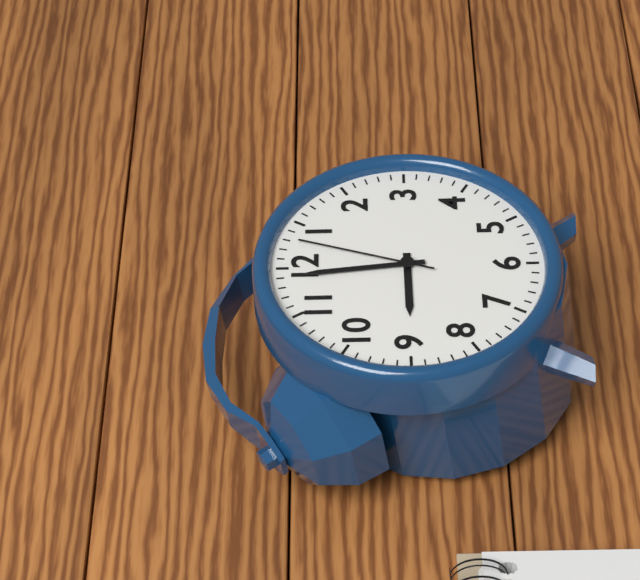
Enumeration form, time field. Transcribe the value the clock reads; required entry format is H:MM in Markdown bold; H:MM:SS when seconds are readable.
**8:59:03**
